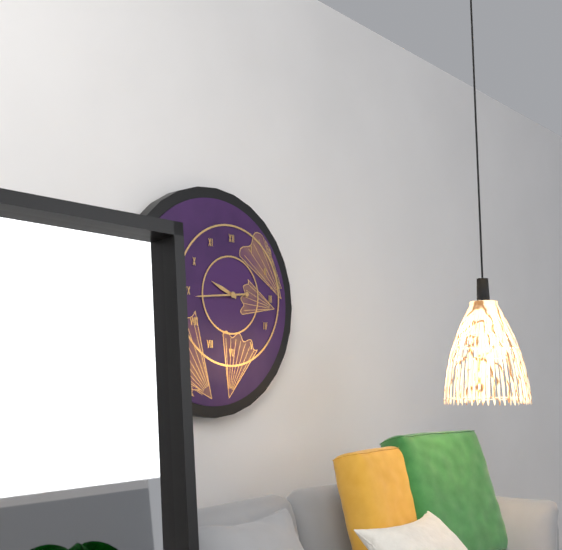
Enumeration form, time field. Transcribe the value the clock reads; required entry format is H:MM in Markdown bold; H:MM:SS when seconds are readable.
**9:44**
